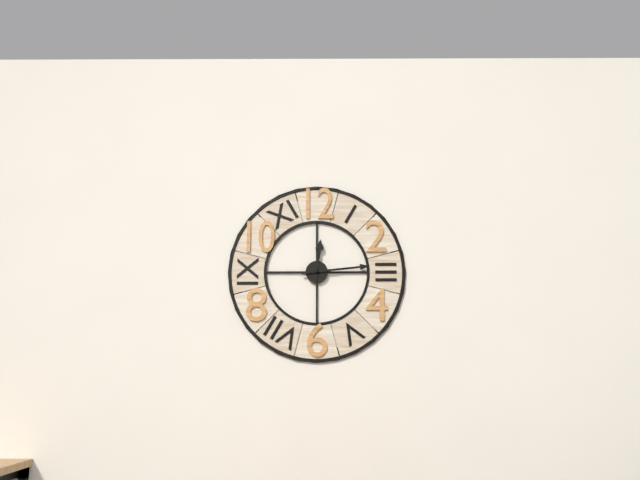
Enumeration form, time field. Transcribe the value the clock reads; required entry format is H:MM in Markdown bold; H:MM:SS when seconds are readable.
**12:14**
